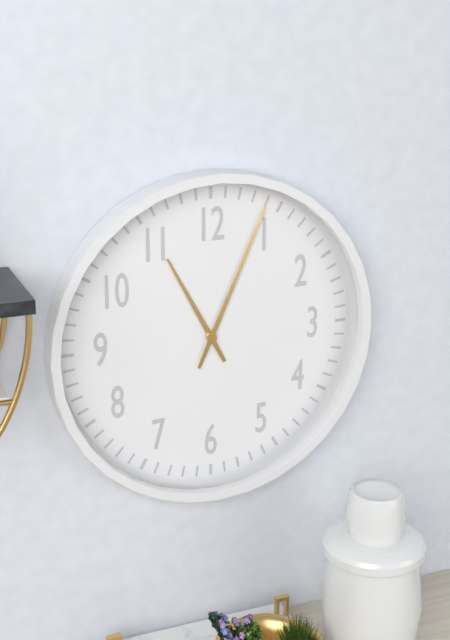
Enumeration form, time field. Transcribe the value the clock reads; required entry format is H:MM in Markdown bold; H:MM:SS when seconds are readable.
**11:04**
